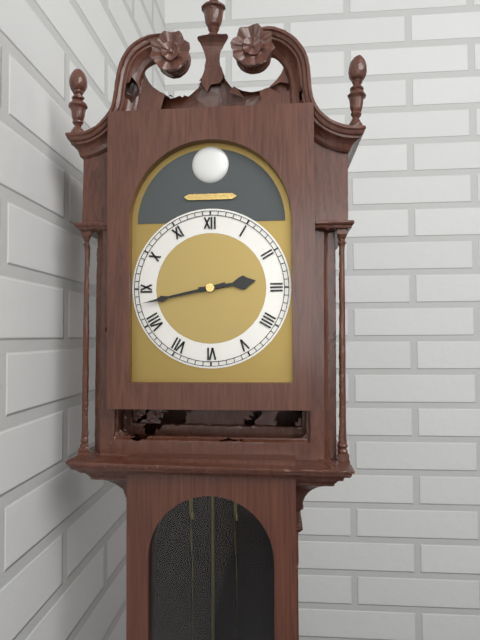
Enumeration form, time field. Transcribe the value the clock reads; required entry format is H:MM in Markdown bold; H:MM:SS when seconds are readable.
**2:43**
